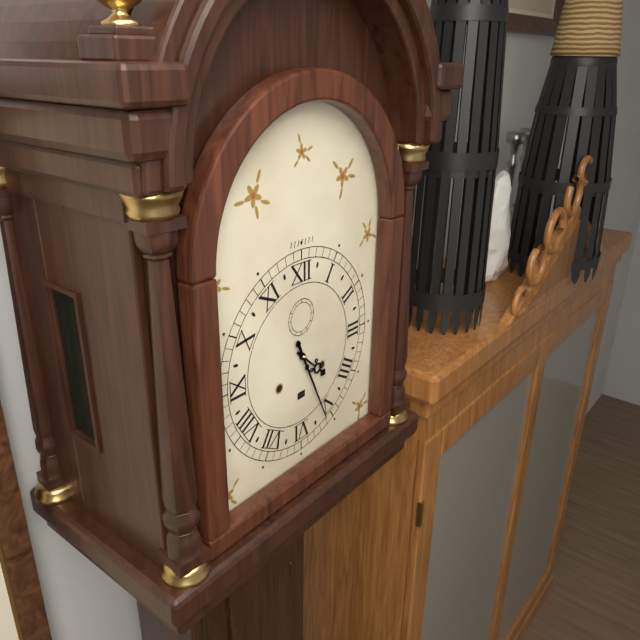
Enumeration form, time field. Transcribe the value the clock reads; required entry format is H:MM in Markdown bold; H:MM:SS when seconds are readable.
**4:26**
